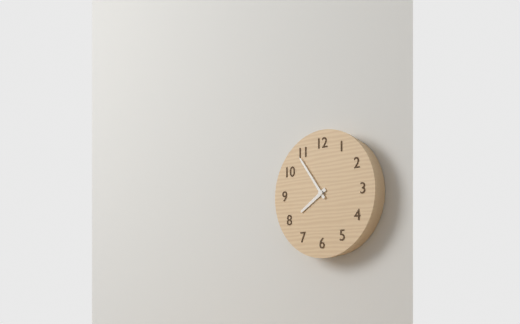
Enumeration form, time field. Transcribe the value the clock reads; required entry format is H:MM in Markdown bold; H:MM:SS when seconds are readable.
**7:54**
